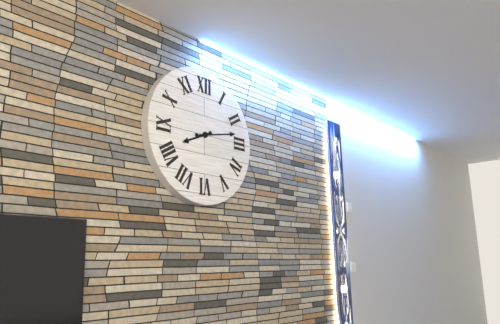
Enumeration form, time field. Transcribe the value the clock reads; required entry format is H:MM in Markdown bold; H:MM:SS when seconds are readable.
**8:13**
